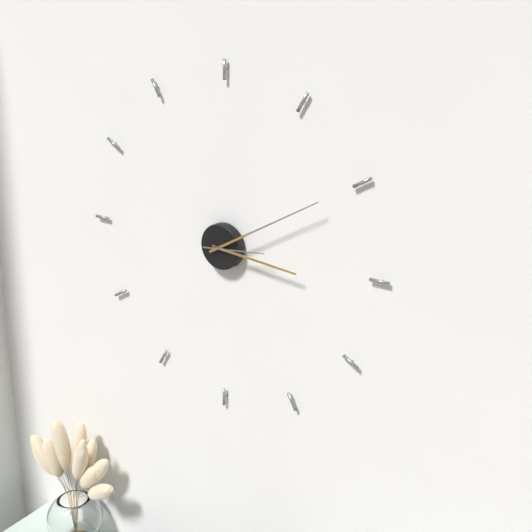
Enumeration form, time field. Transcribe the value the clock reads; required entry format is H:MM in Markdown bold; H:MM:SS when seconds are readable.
**3:10:14**
